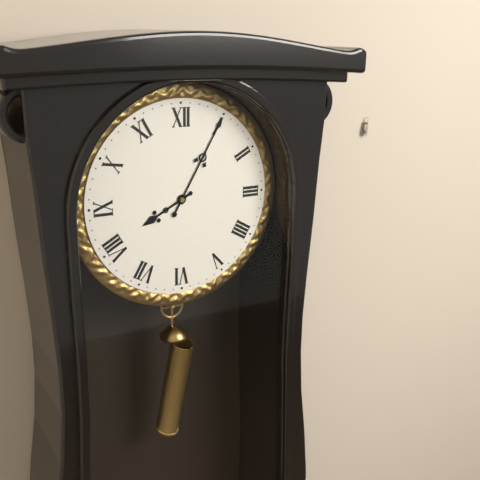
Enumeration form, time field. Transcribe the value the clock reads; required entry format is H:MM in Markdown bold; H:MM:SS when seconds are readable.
**8:05**
